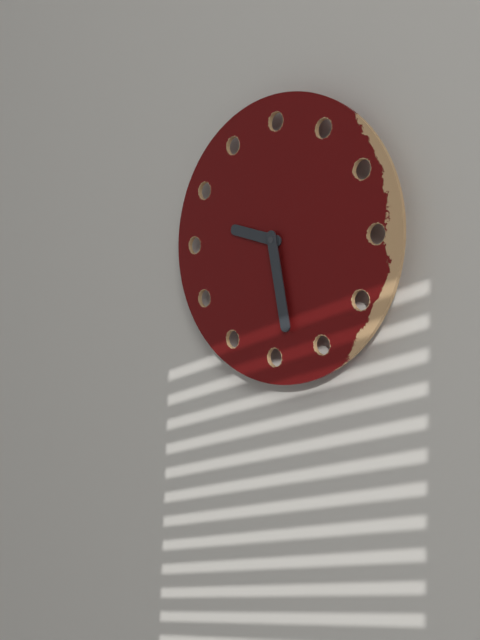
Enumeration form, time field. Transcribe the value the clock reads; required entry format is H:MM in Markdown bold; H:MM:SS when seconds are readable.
**9:28**
